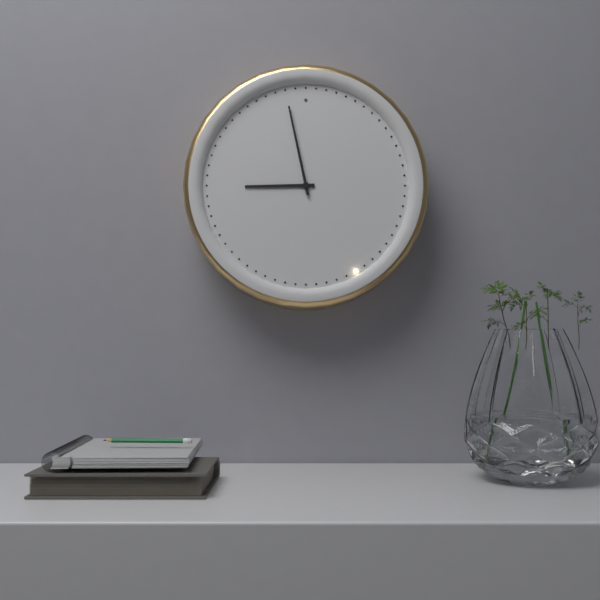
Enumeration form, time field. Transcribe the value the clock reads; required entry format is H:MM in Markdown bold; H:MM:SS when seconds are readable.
**8:58**
